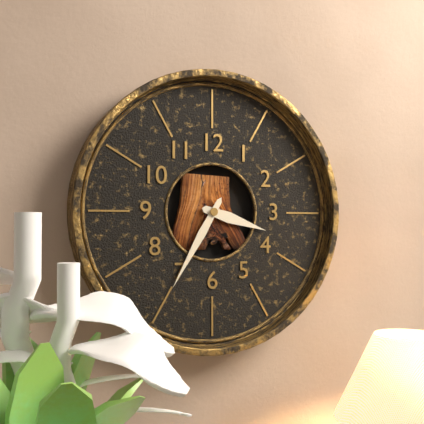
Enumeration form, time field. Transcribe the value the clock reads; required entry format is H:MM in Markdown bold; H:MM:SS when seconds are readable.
**3:35**
